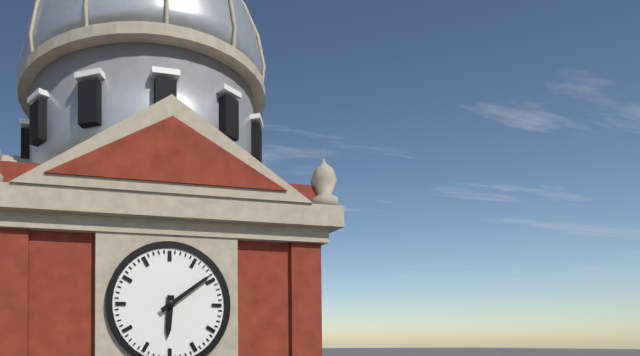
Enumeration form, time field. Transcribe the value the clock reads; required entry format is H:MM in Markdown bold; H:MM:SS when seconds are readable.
**6:09**
